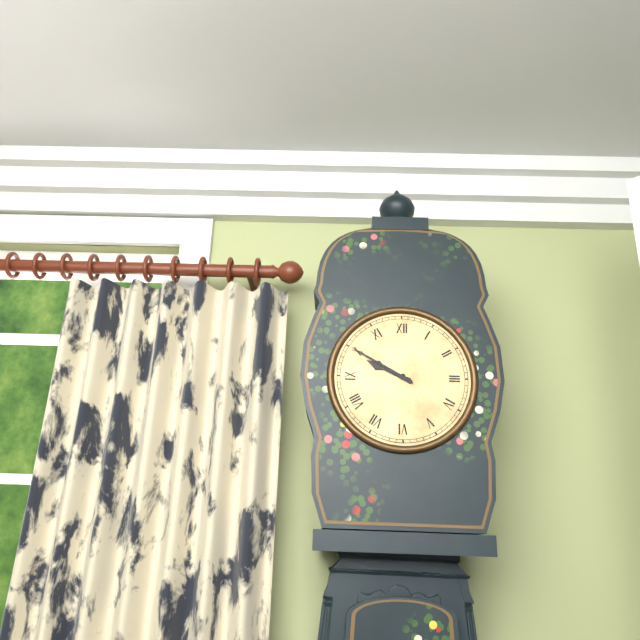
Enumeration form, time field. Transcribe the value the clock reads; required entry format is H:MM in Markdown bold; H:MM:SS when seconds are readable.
**9:50**
